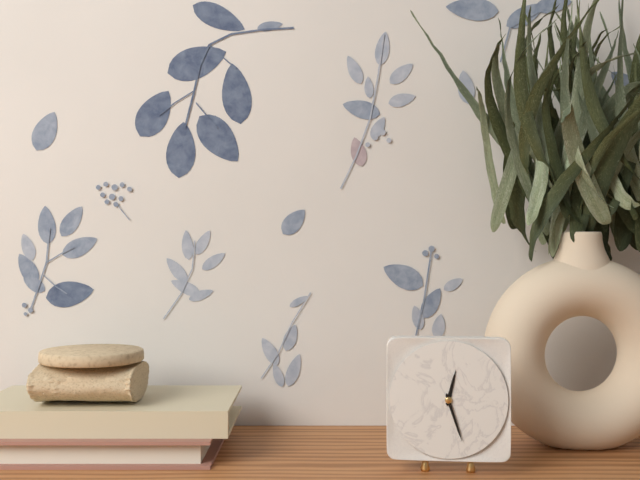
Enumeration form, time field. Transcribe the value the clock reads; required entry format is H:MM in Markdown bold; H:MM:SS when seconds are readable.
**12:27**
